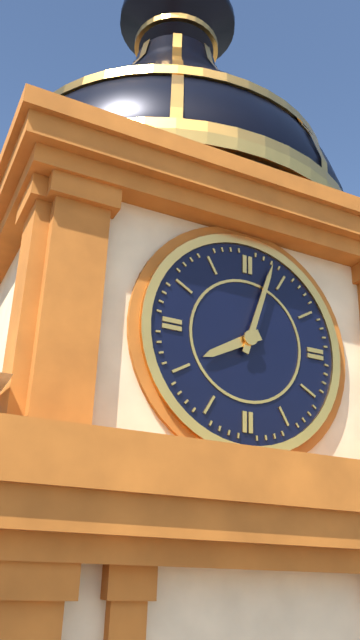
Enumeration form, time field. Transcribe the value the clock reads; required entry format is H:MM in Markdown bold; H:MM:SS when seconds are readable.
**8:03**
